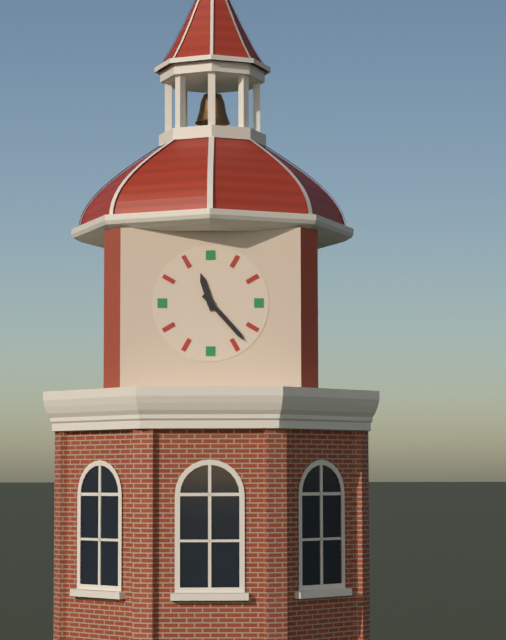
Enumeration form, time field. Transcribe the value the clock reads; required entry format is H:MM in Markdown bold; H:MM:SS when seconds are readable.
**11:23**
